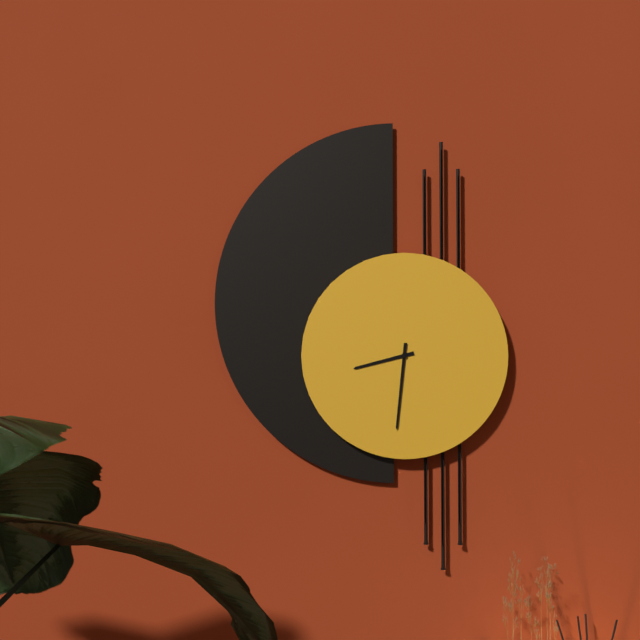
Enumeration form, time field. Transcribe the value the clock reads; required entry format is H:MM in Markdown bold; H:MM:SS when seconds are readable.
**8:31**
